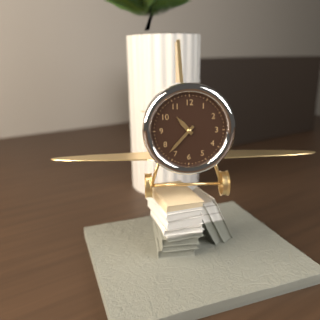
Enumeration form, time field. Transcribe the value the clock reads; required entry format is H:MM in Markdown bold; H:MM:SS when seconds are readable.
**10:37**
